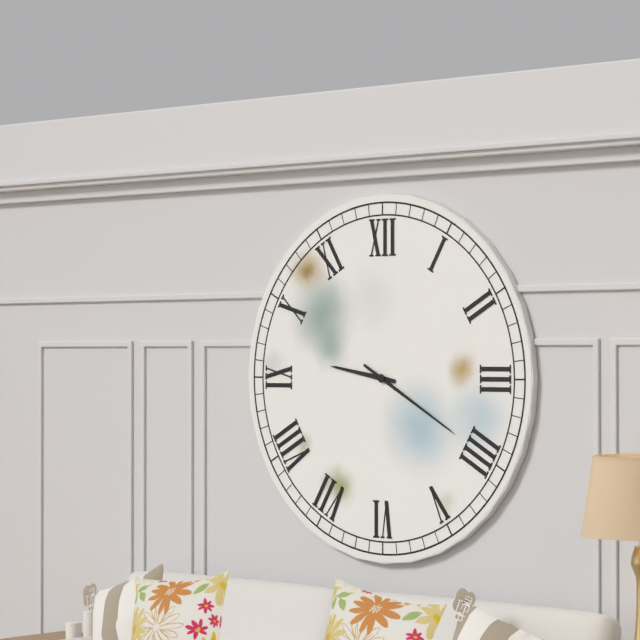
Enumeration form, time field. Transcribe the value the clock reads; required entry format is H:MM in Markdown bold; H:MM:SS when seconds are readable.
**9:20**
